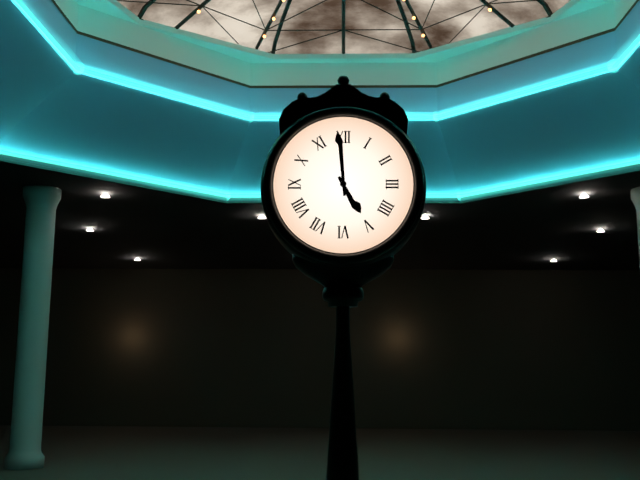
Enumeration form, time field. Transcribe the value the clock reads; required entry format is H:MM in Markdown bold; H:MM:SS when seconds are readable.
**4:59**
